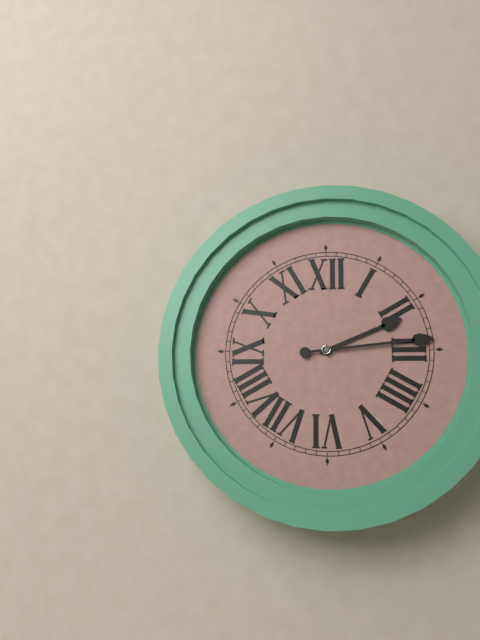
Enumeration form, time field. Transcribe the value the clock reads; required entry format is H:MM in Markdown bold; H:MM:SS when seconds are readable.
**2:14**
